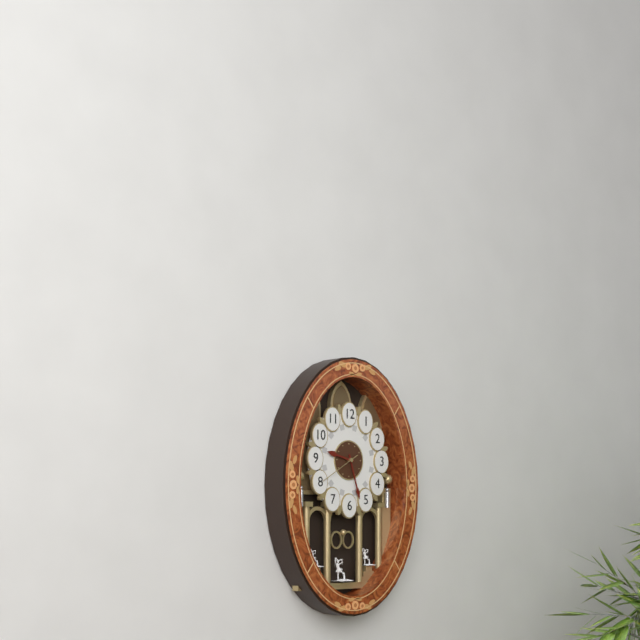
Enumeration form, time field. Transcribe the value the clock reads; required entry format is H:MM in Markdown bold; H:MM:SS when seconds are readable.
**9:27**
